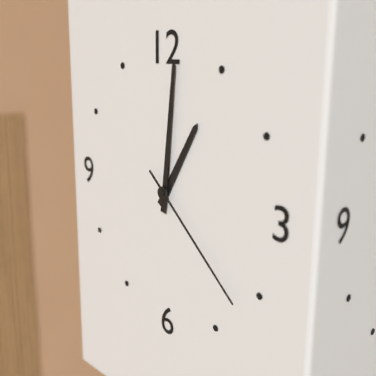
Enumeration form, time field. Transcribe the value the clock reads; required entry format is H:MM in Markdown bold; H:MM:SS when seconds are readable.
**1:01:22**
